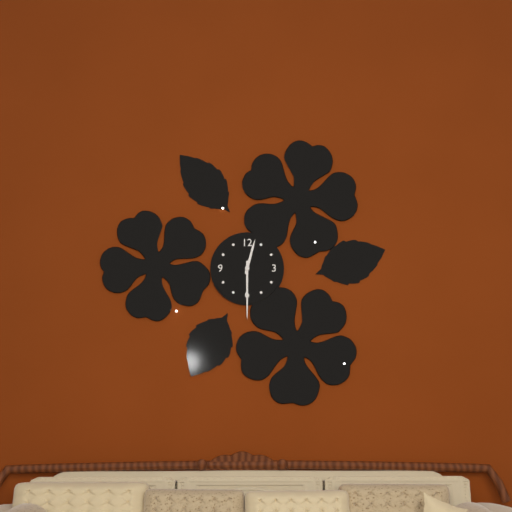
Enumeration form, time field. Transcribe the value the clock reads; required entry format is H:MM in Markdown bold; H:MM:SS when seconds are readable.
**12:30**
